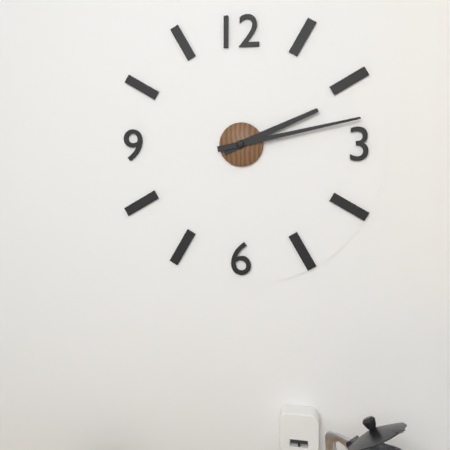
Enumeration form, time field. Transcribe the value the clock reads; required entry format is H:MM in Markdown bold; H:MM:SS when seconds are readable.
**2:13**
